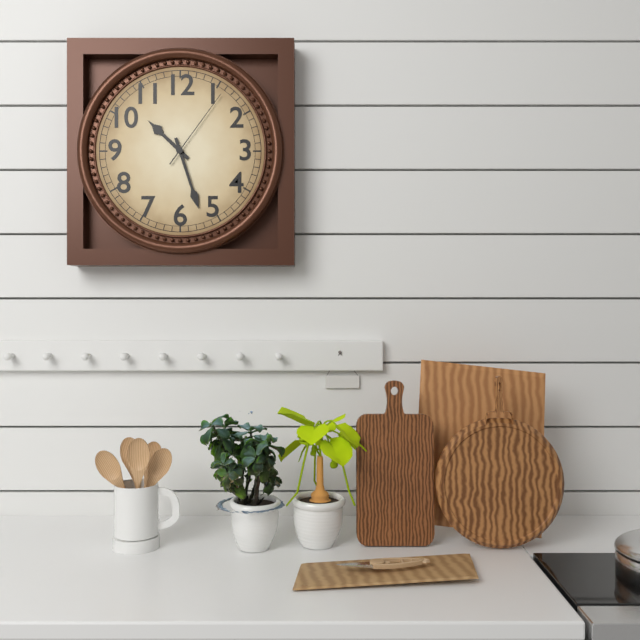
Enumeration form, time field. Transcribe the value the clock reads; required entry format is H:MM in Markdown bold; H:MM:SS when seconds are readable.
**10:27:06**
